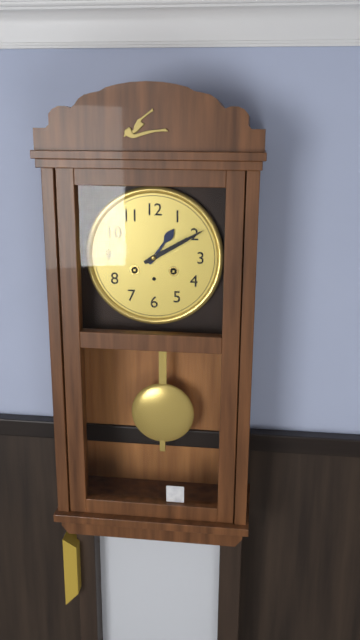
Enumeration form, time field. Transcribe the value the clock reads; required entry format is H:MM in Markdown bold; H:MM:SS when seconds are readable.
**1:10**
